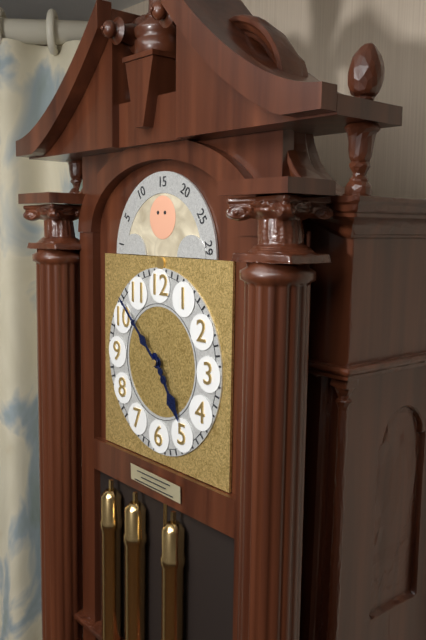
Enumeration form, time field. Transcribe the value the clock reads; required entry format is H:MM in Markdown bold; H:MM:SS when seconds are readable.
**4:52**
